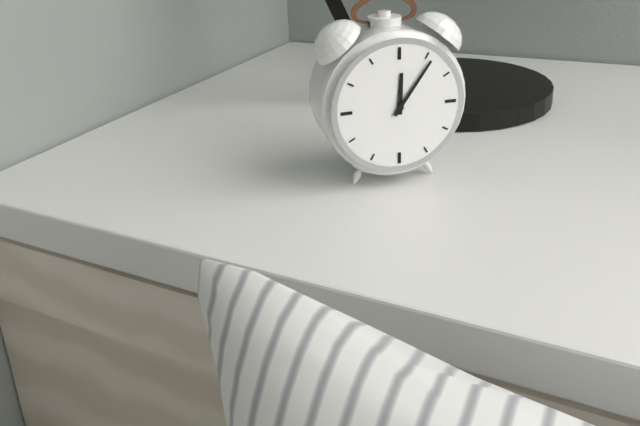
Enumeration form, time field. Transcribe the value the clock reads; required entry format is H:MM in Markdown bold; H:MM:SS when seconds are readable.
**12:06**
